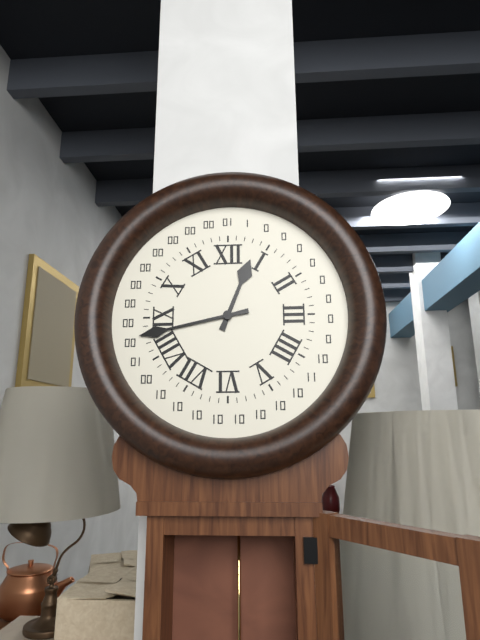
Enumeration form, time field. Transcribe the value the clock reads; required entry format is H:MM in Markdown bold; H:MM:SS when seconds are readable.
**12:43**
